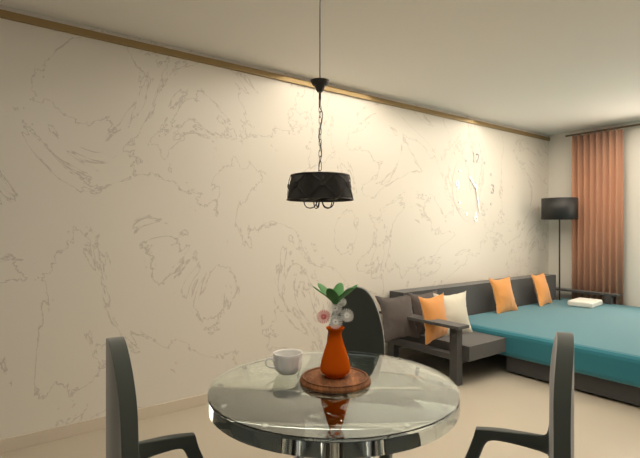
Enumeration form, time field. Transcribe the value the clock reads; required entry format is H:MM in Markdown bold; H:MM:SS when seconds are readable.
**10:28**
